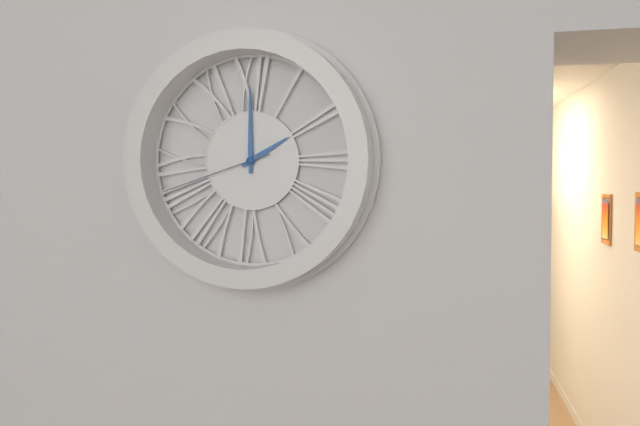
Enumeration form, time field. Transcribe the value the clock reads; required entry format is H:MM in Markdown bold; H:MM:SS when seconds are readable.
**2:00:42**
